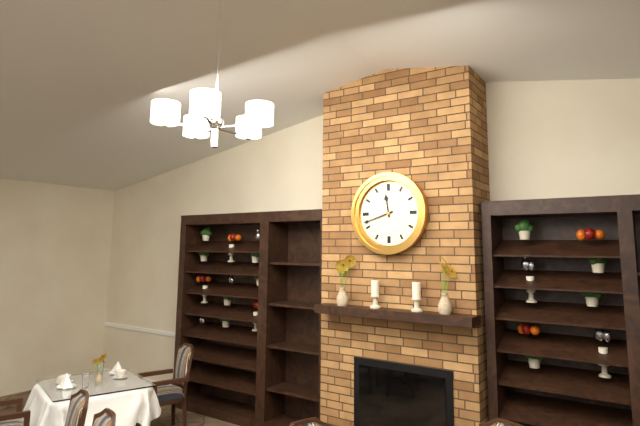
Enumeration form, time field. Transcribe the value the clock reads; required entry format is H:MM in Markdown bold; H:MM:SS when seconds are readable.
**11:42**
